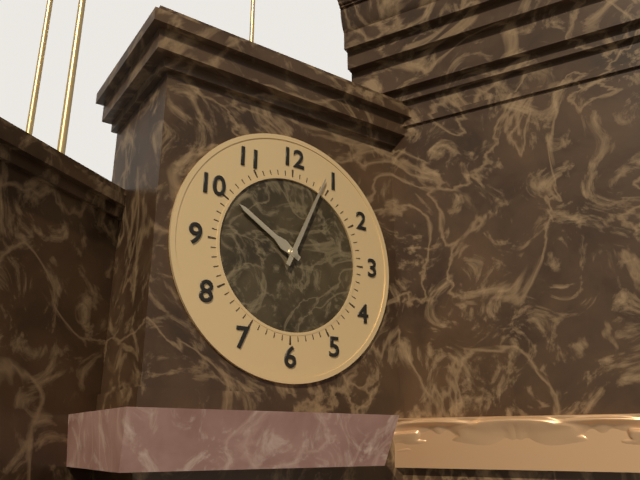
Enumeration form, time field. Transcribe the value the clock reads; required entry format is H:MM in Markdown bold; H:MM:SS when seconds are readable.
**10:04**
